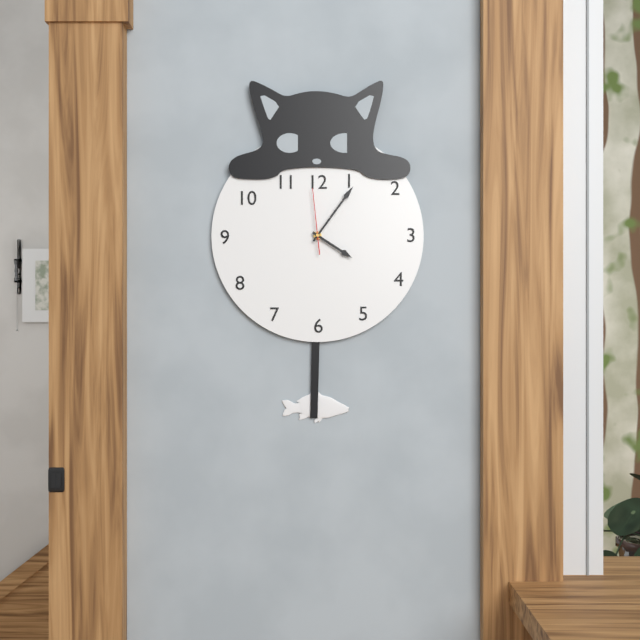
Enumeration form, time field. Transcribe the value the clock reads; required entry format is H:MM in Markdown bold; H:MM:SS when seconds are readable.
**4:06:59**
